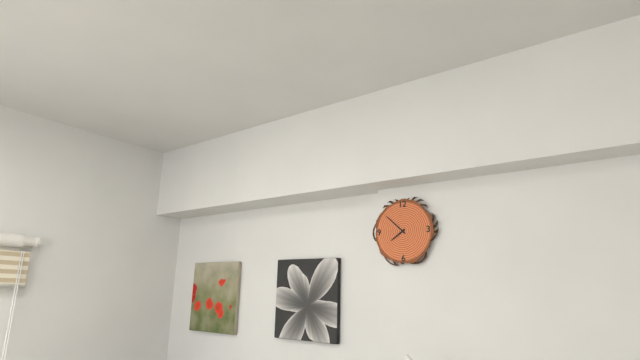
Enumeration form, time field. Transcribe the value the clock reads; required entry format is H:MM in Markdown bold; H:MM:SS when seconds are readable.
**7:52**
